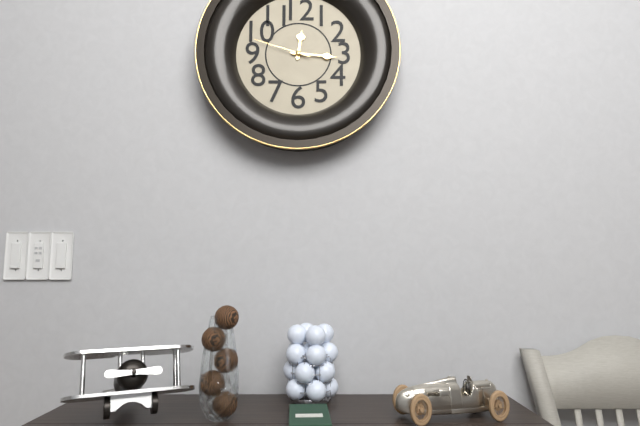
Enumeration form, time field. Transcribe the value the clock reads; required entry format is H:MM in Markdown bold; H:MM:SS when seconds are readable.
**12:16:48**
